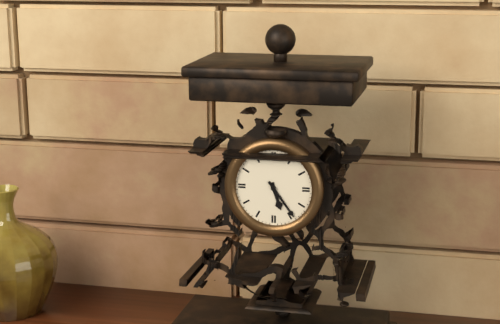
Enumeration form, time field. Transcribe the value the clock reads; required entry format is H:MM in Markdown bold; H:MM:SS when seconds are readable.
**5:24**
